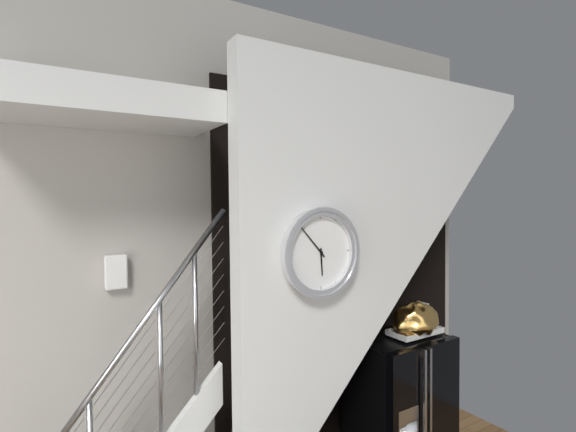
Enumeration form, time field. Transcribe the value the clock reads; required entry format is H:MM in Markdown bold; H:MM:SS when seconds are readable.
**5:53**
